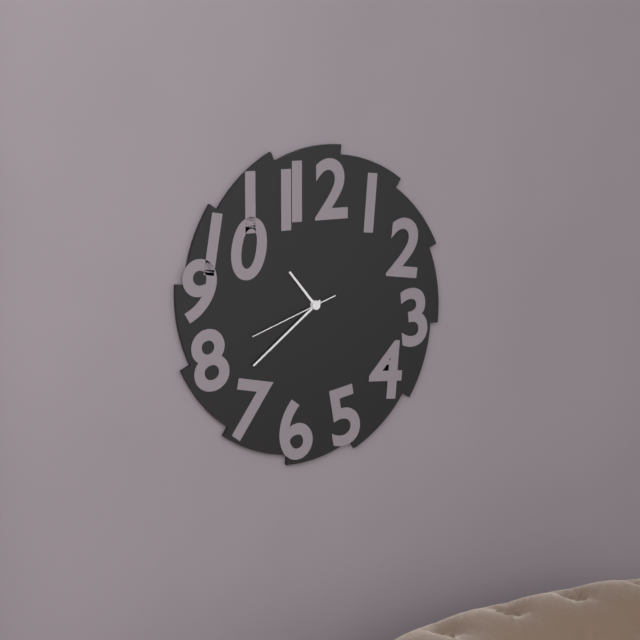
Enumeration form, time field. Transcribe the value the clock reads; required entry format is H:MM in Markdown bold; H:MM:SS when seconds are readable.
**10:39:42**
